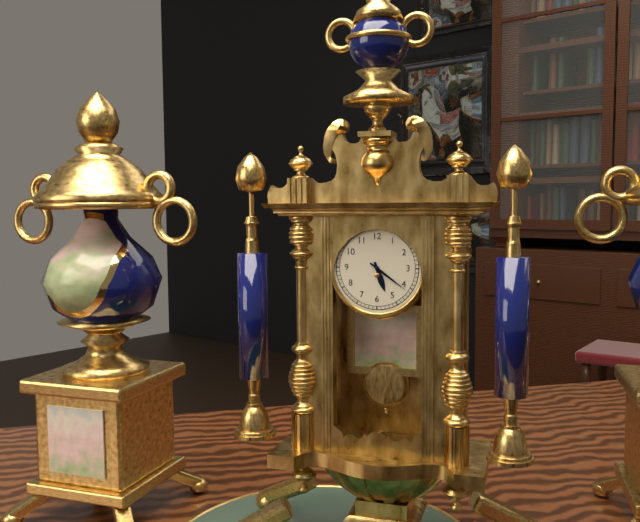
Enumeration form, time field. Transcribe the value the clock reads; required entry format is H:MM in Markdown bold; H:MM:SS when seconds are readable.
**5:21**
